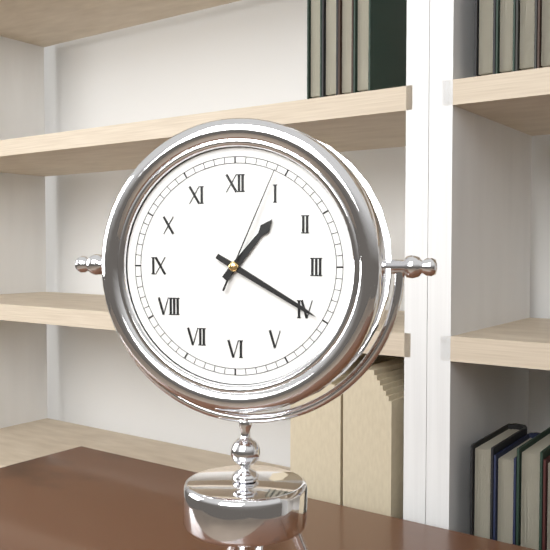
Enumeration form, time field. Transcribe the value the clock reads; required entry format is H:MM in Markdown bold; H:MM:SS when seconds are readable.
**1:20:04**
